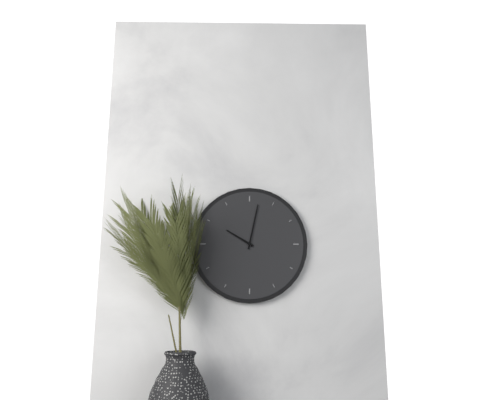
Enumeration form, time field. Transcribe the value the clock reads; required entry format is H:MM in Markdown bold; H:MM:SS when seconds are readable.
**10:02**
